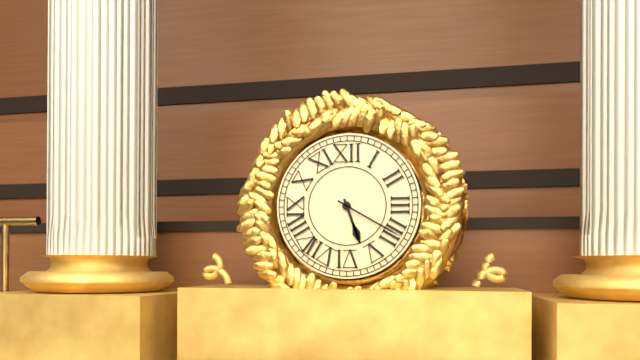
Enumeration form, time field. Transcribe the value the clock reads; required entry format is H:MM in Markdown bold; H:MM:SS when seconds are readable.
**5:20**
